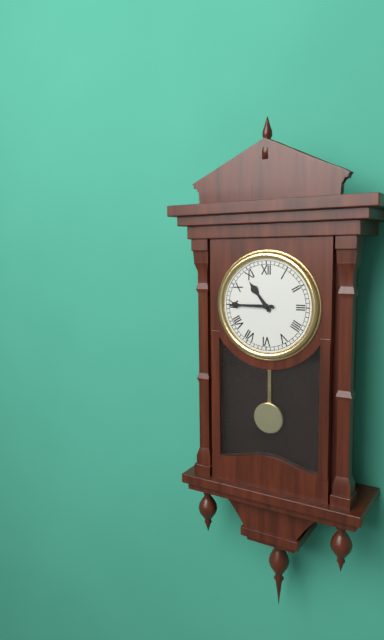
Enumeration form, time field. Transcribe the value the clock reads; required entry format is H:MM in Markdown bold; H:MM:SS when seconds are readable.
**10:45**
